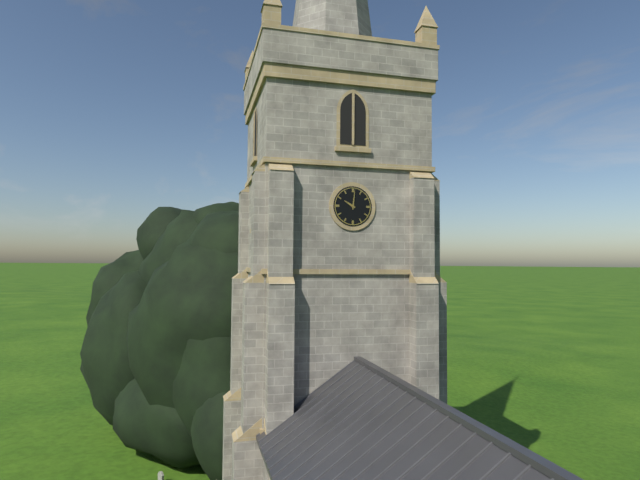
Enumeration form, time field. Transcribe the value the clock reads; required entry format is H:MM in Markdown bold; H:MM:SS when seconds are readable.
**10:01**
